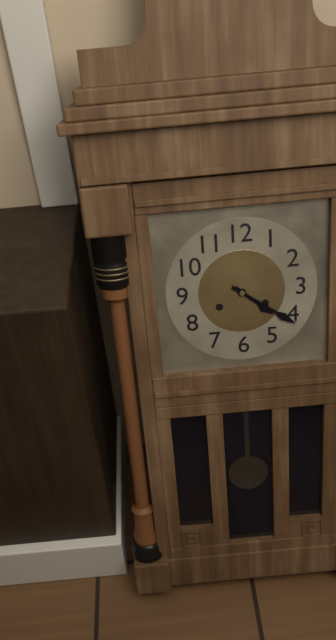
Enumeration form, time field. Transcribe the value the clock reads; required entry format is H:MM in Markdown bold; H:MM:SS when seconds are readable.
**4:21**
